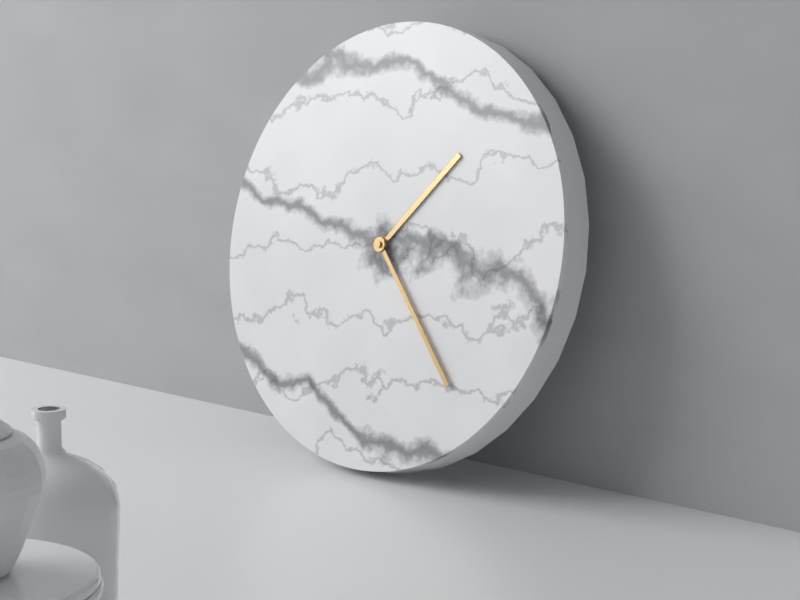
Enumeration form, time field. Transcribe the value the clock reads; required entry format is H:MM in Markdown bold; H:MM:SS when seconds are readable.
**1:23**
